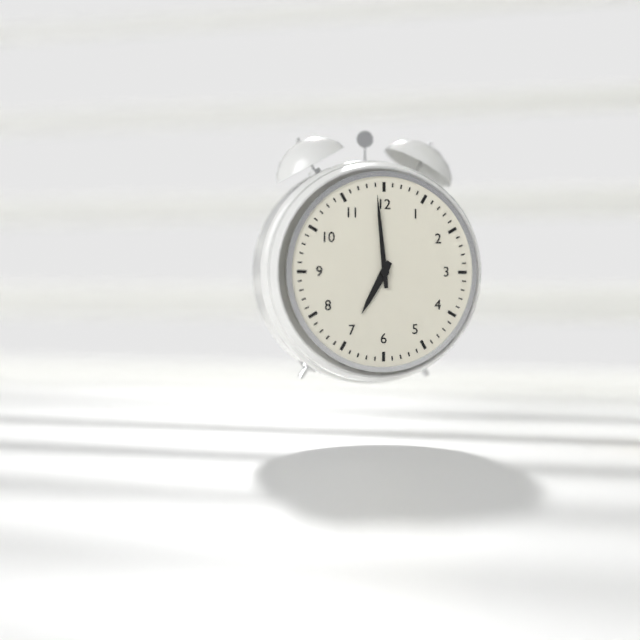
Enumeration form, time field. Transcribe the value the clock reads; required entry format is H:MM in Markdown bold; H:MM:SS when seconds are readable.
**6:59**
